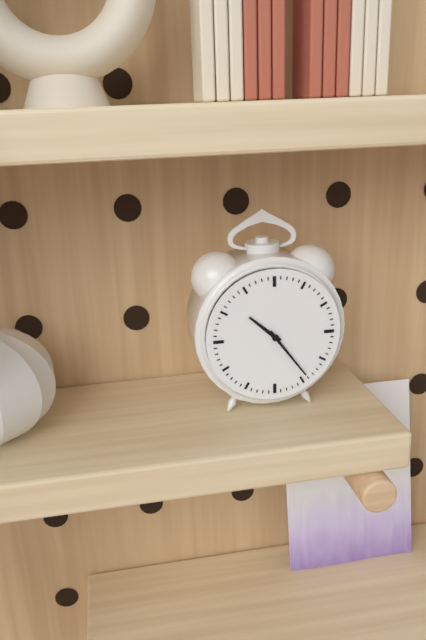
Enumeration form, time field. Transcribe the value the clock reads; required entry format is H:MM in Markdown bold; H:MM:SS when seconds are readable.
**10:24**
